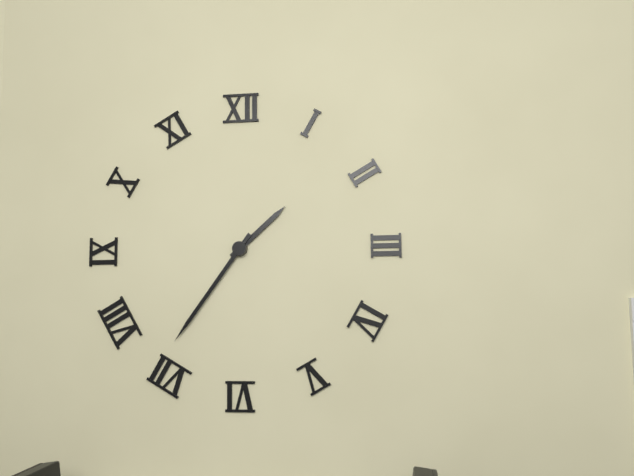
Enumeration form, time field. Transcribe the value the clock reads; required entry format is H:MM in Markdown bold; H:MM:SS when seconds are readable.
**1:36**
